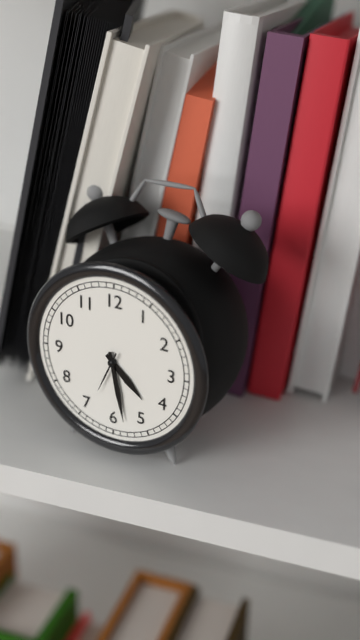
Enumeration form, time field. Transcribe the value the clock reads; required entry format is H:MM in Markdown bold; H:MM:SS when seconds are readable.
**4:28**
